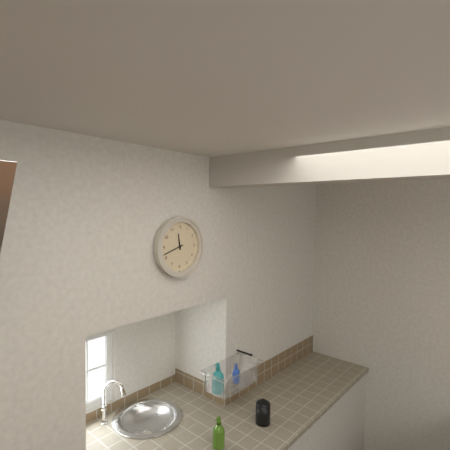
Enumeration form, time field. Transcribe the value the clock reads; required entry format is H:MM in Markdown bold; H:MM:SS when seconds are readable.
**11:42**
